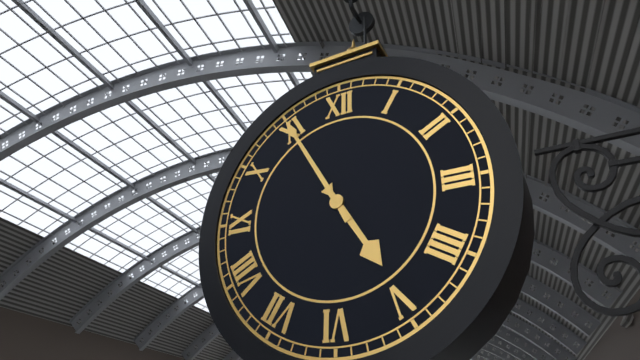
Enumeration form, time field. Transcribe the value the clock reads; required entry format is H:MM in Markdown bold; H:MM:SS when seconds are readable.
**4:55**
